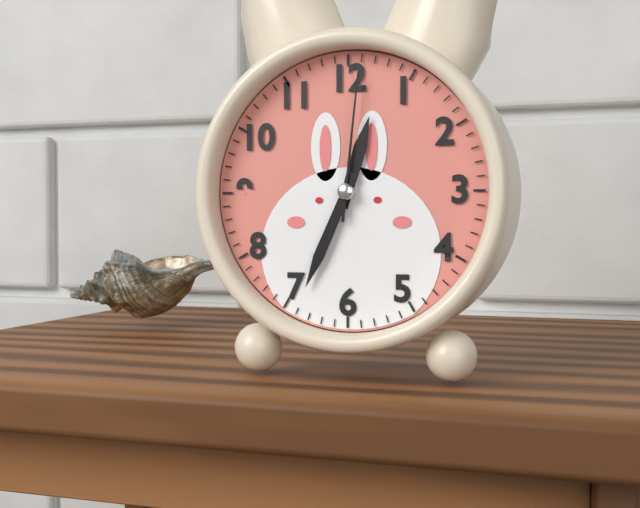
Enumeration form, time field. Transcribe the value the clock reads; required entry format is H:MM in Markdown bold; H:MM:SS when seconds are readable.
**12:34:01**
